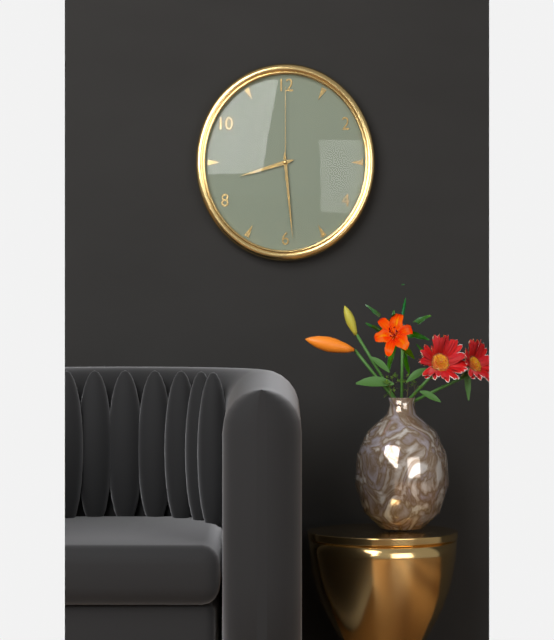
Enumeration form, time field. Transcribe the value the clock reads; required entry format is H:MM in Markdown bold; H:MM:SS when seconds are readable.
**8:29:00**
